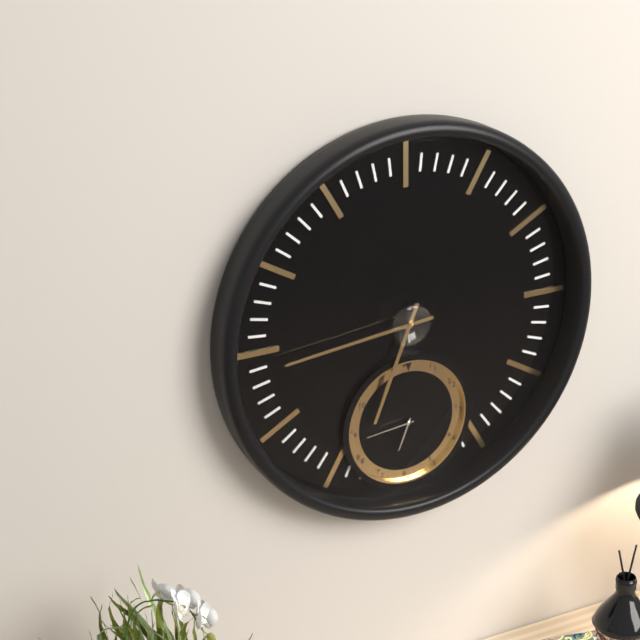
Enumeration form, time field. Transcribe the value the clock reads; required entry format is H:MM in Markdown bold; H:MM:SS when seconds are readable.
**6:44**
